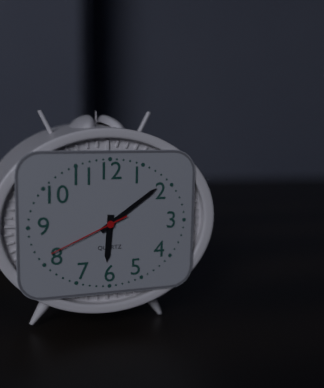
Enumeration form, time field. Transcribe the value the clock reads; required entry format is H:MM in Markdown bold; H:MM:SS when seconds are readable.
**6:09:41**
